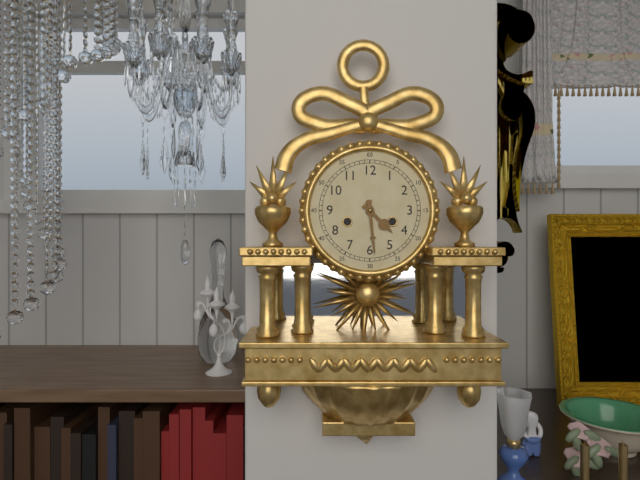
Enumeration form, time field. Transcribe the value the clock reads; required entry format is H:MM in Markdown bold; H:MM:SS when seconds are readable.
**4:29**
